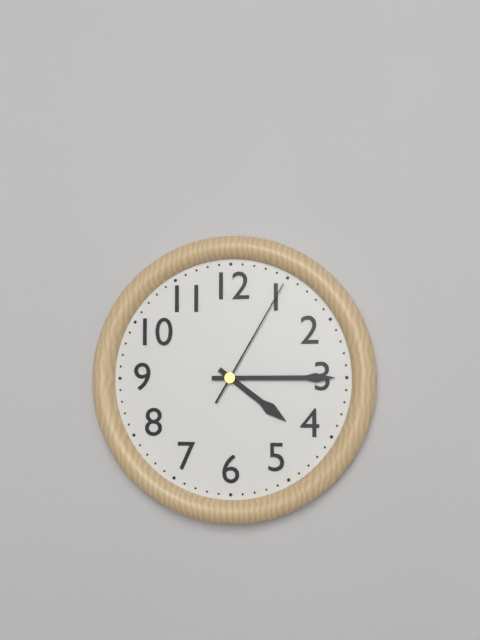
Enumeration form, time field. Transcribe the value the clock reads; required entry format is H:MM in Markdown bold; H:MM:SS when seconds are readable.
**4:15:05**
